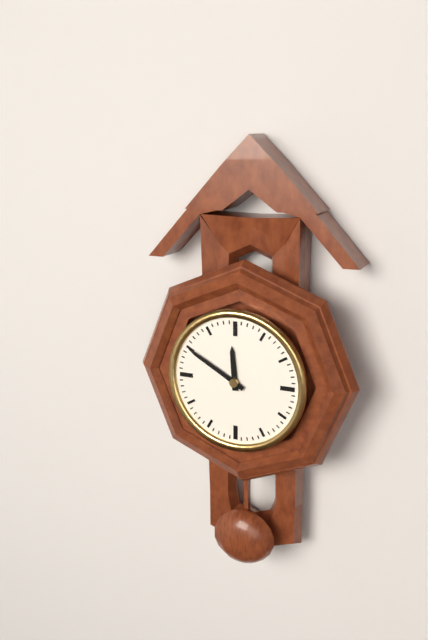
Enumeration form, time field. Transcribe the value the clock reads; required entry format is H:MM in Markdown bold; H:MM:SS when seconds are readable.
**11:50**
